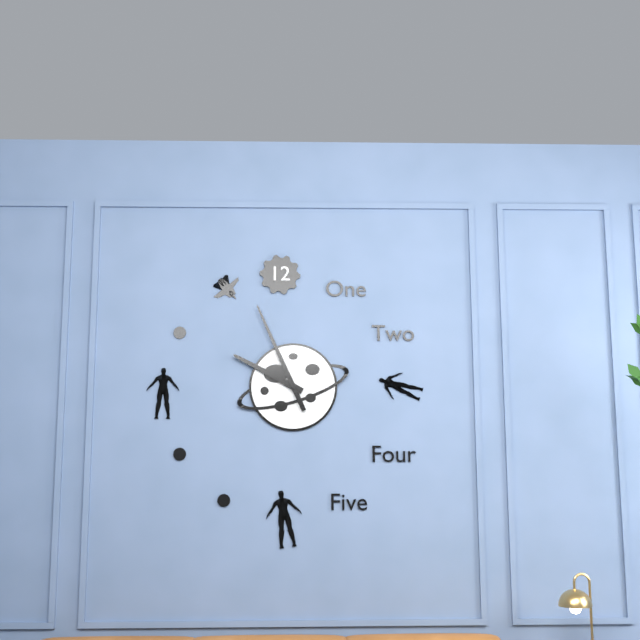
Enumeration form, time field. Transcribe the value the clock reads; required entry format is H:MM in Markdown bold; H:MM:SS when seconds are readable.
**9:56**
